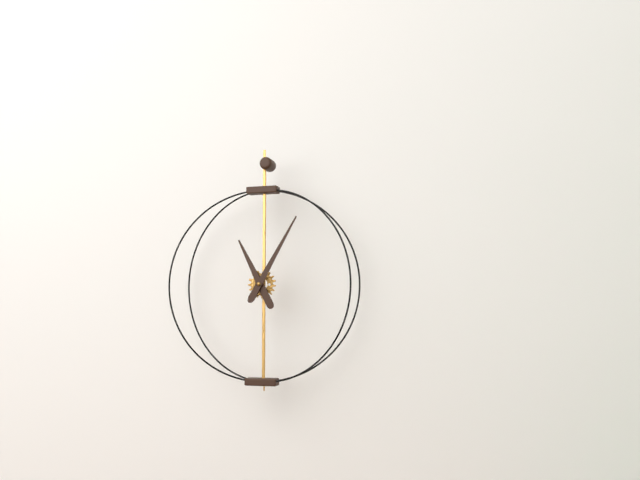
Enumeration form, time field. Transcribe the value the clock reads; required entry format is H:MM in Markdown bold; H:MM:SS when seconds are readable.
**11:05**
